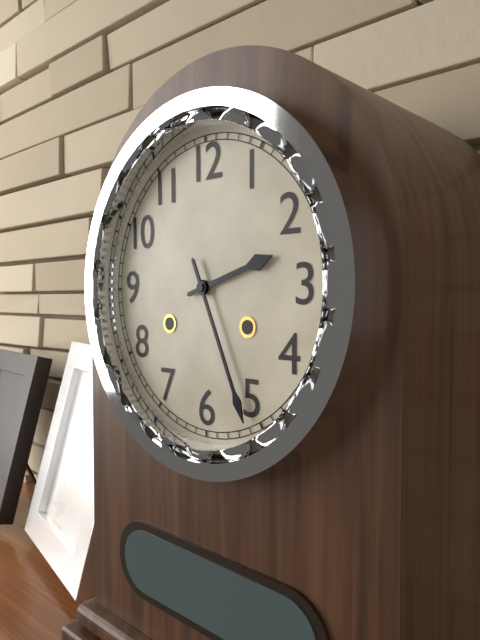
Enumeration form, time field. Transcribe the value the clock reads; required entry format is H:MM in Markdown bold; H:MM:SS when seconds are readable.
**2:26**
